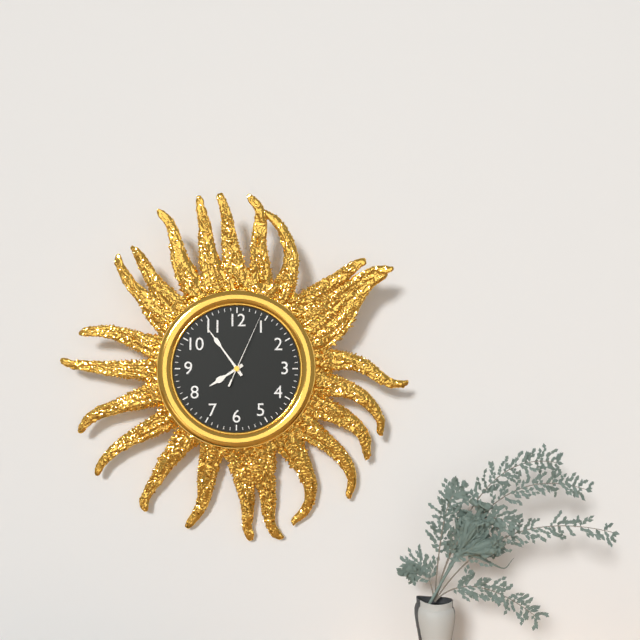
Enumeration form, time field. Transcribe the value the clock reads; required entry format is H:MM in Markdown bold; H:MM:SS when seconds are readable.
**7:54:04**
